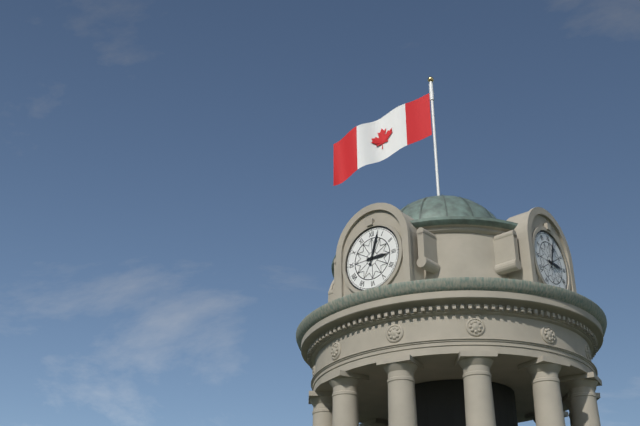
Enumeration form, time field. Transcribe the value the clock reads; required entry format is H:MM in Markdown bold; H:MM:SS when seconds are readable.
**3:03**
